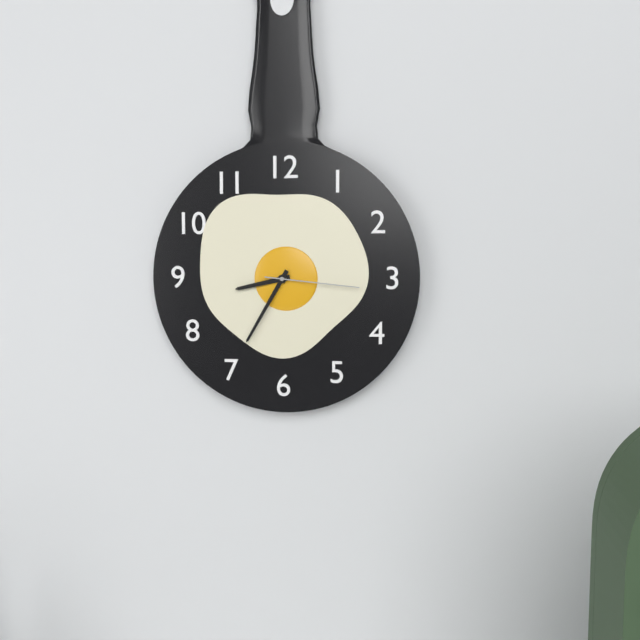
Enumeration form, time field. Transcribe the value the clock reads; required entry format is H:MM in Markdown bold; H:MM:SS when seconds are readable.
**8:35:16**
